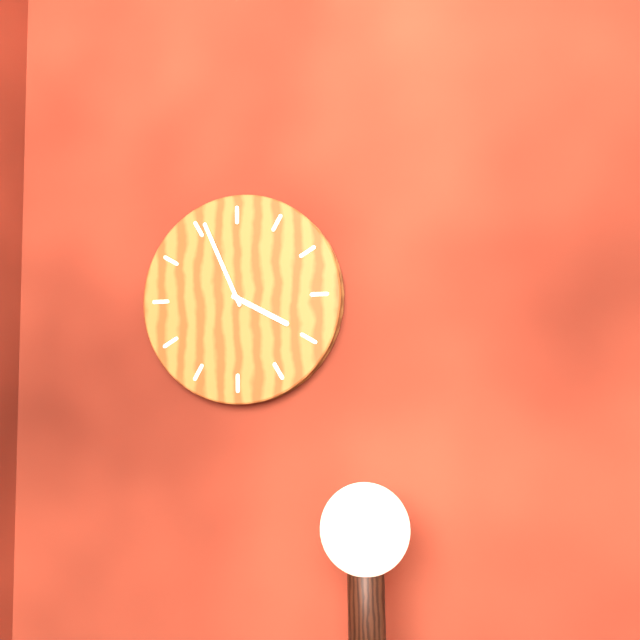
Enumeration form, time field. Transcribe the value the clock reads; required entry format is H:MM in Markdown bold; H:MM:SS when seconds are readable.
**3:56**
